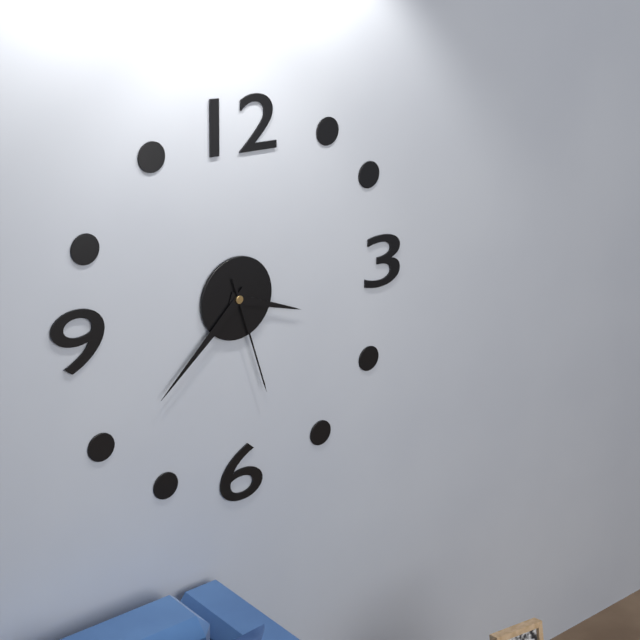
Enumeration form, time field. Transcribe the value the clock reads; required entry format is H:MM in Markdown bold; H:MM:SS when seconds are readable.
**3:38:27**
